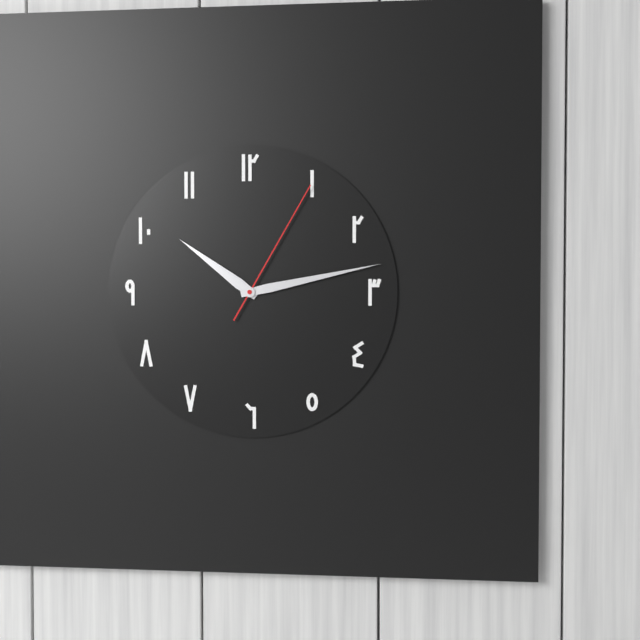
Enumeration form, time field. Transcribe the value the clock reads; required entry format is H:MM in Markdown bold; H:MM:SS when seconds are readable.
**10:13:05**
